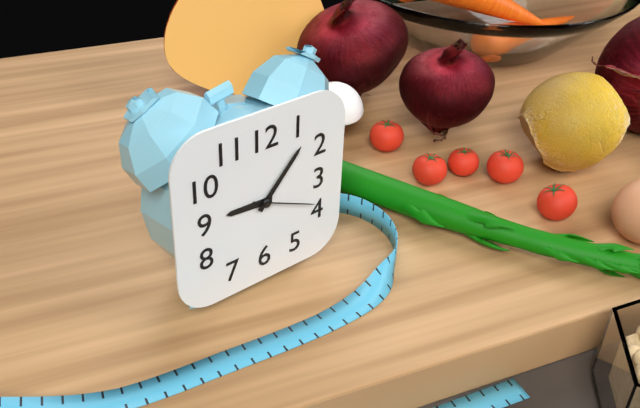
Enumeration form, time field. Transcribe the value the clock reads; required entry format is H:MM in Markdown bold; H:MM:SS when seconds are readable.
**9:07:19**
